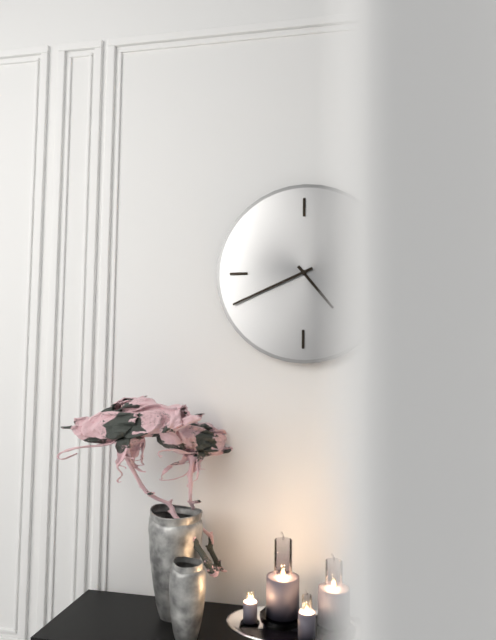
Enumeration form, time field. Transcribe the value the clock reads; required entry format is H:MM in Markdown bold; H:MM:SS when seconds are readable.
**4:41**
